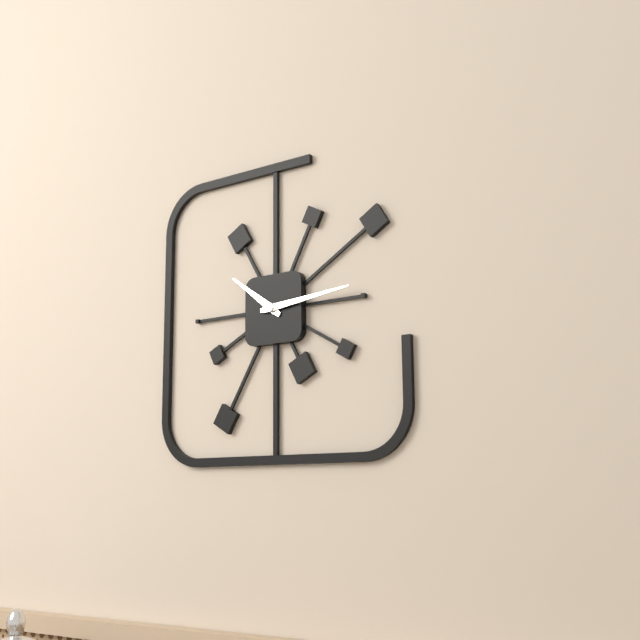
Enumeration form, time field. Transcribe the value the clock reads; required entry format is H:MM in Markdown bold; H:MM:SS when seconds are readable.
**10:14**
